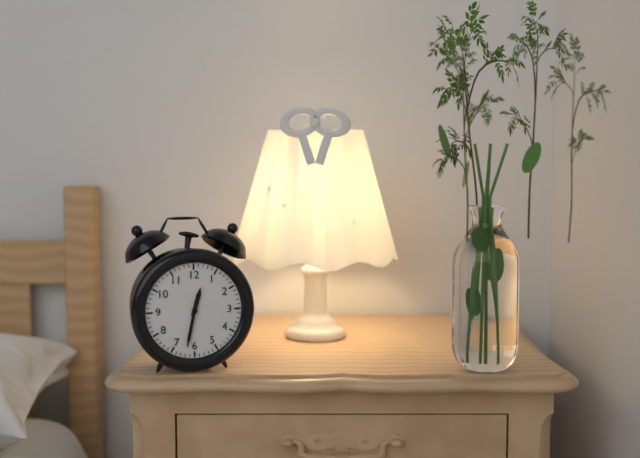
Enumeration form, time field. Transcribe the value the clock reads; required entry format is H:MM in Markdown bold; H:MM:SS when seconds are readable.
**12:32**
